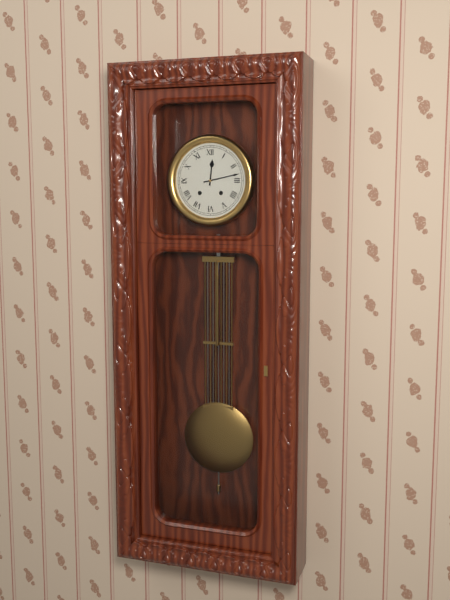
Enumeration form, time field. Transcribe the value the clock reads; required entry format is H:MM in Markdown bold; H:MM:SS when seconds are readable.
**12:13**
